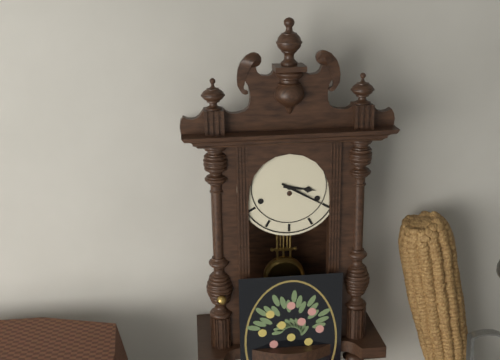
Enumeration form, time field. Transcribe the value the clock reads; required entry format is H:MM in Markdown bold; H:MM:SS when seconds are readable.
**3:20**
